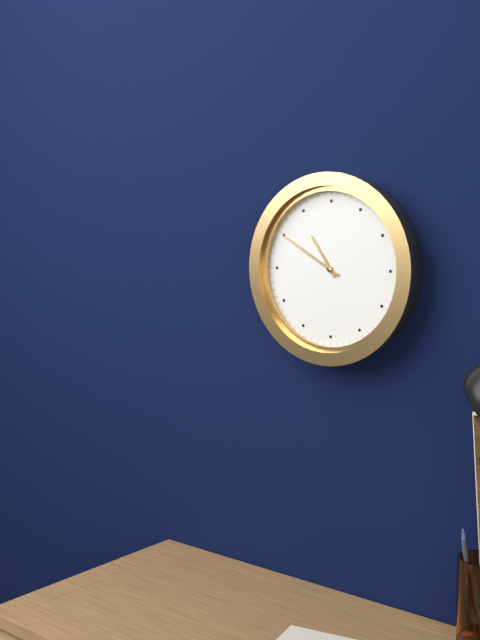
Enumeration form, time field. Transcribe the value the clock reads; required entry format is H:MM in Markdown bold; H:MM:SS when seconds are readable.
**10:50**
